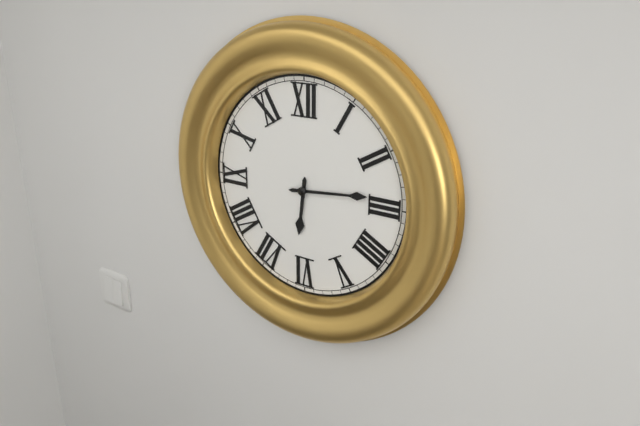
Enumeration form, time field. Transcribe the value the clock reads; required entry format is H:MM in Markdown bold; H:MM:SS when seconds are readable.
**6:14**
